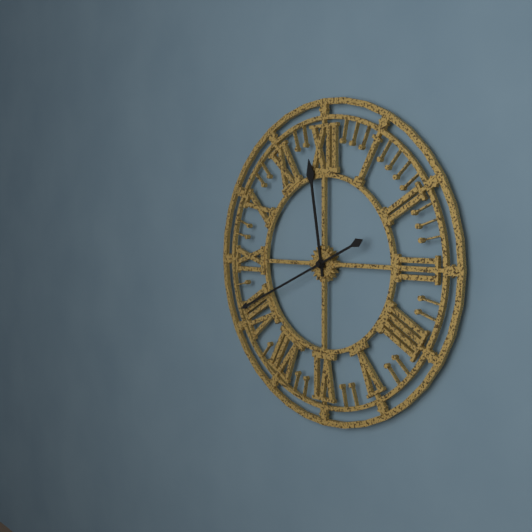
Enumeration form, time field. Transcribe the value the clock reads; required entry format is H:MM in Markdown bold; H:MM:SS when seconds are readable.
**11:41**
